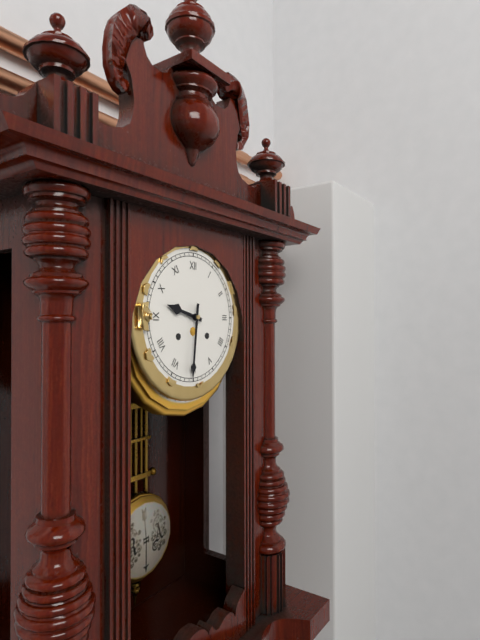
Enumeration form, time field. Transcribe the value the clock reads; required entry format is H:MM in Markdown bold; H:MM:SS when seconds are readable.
**9:31**
